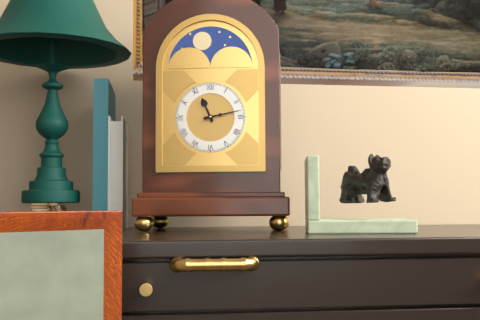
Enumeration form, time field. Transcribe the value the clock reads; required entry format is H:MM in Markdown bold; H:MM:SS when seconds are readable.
**11:13**
